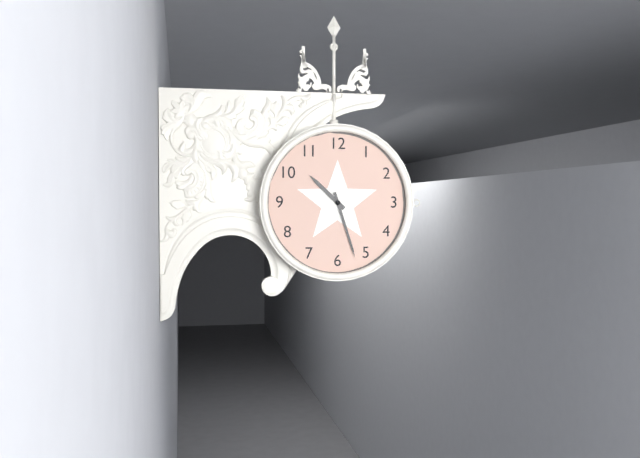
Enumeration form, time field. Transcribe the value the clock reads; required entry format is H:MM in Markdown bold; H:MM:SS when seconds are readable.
**10:27**
